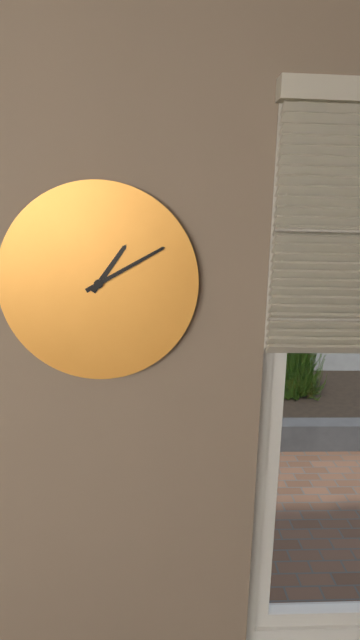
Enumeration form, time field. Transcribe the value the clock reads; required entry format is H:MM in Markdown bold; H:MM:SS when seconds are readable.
**1:10**
